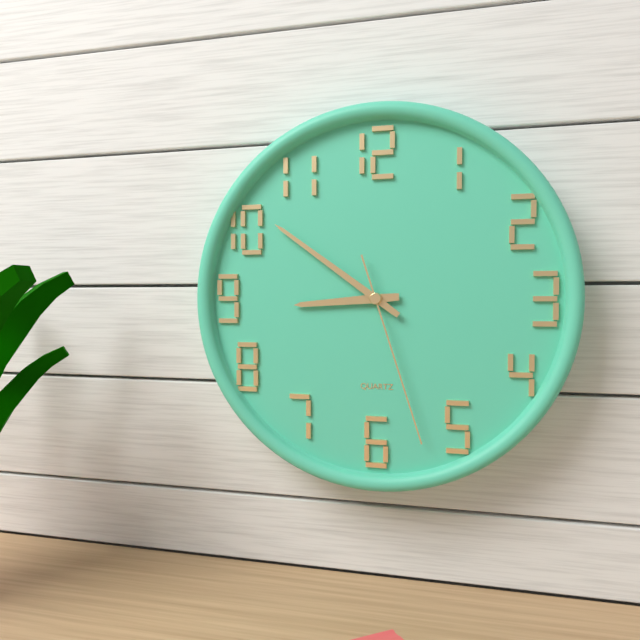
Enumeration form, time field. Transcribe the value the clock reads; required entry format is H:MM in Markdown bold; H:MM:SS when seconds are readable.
**8:51:27**
